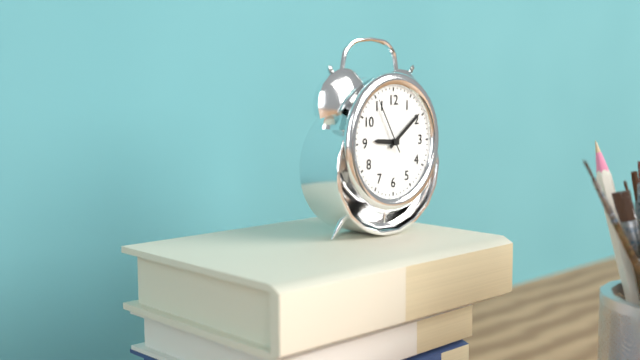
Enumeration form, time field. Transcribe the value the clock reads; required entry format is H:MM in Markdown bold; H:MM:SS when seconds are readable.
**9:09:55**
